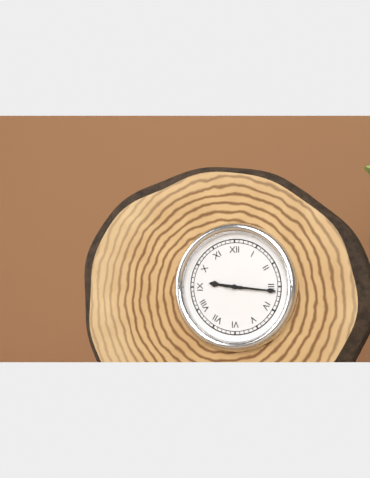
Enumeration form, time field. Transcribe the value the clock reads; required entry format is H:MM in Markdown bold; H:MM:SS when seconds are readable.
**9:16**
